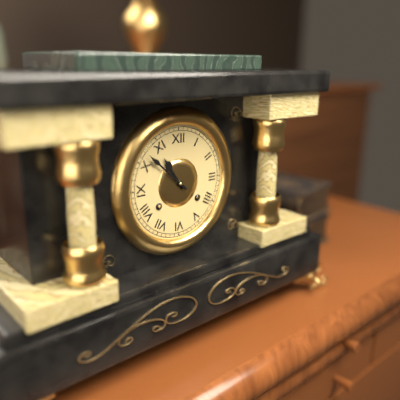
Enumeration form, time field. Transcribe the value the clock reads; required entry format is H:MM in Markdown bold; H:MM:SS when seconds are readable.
**10:52**
